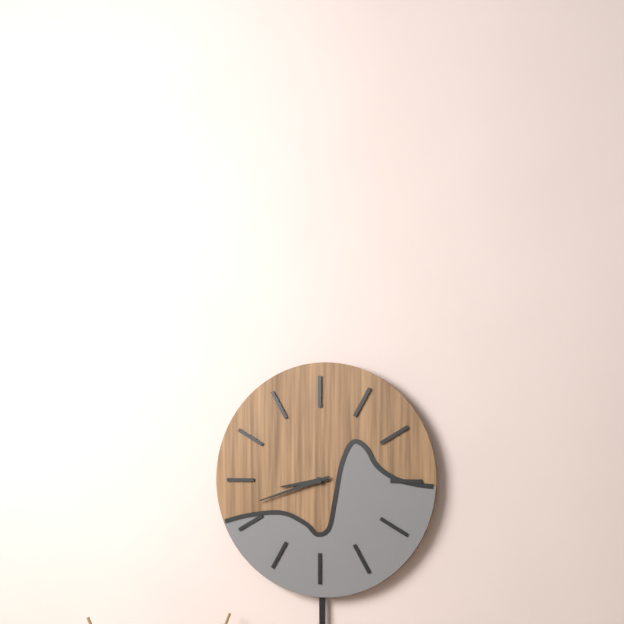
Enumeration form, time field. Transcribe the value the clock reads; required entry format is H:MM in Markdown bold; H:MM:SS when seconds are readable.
**8:42**
